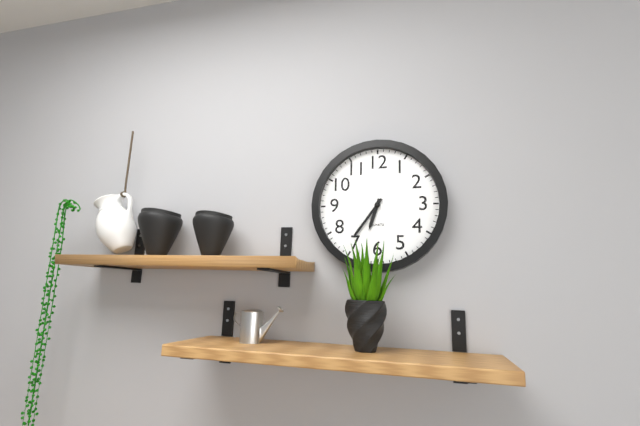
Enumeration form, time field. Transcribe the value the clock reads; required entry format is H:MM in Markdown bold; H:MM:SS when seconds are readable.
**6:36**
